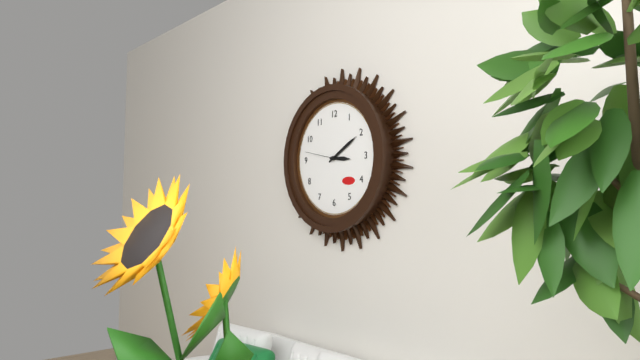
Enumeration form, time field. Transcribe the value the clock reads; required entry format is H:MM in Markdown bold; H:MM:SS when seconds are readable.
**3:10**
